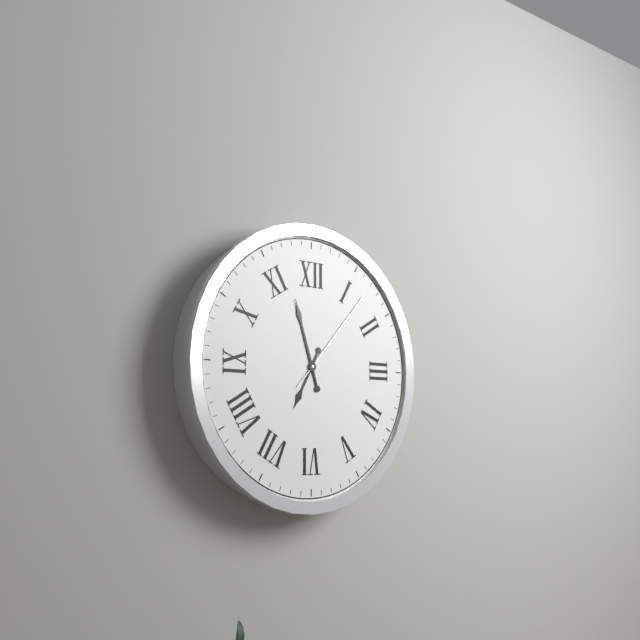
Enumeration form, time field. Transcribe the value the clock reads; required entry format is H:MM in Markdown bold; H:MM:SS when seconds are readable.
**6:57:07**
